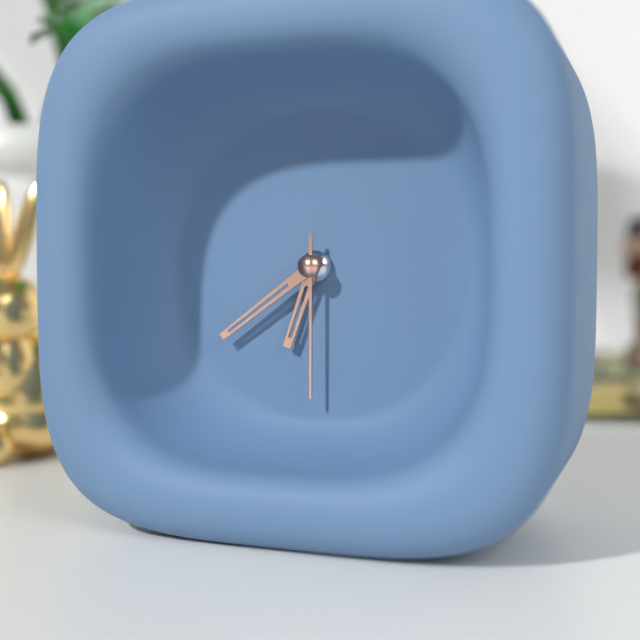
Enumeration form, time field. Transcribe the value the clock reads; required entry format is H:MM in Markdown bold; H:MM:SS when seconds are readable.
**6:39:30**
